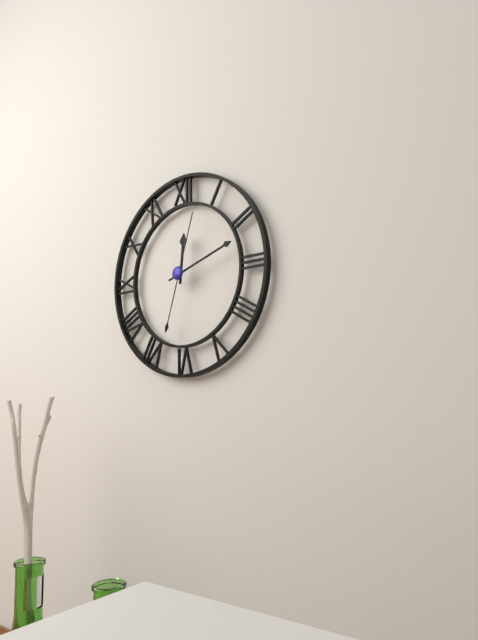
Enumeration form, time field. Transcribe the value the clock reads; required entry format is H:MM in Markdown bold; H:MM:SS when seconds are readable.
**12:12:03**
